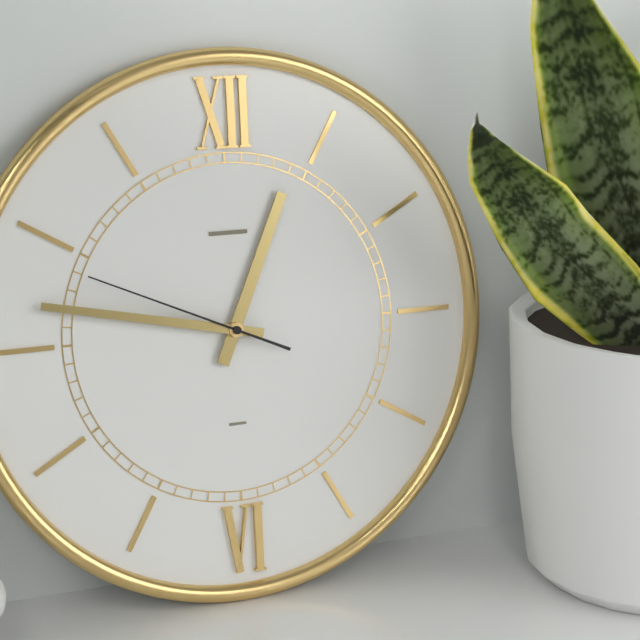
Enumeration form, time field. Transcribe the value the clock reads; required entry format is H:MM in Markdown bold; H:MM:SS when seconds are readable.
**12:47:49**
